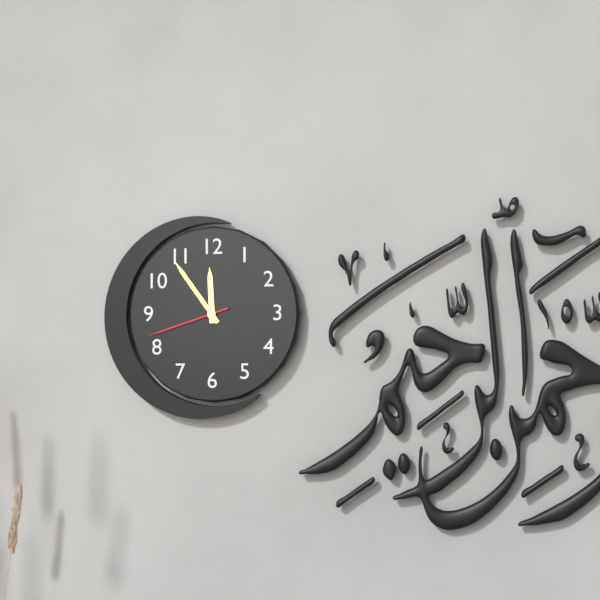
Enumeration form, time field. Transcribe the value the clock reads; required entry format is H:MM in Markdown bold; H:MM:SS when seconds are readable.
**11:54:42**
